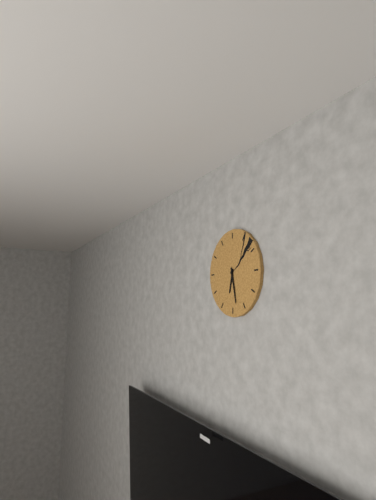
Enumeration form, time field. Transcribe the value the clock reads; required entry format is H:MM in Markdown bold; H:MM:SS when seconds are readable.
**6:28**
